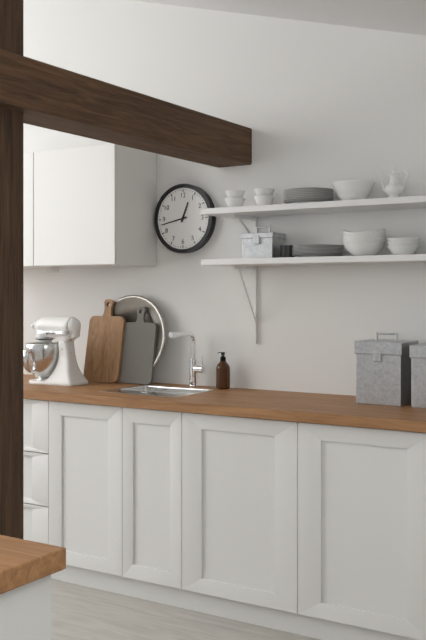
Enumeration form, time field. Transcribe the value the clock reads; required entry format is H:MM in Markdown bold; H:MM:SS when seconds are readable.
**12:43**
